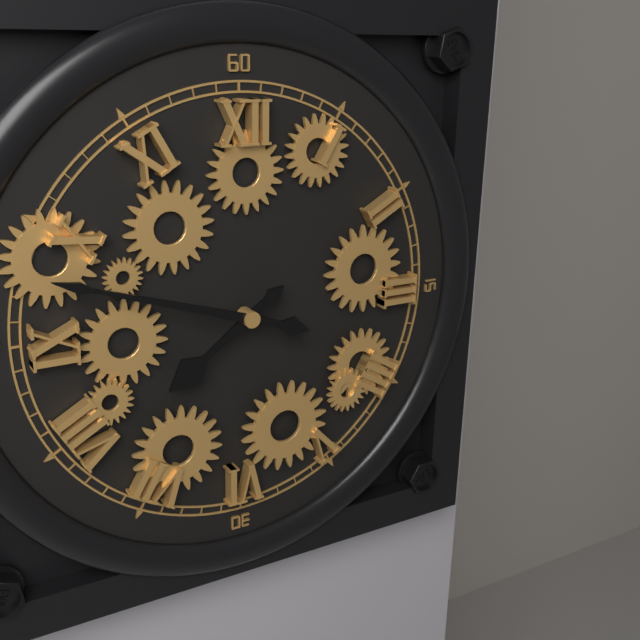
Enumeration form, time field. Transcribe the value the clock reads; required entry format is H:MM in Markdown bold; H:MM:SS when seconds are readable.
**7:48**
